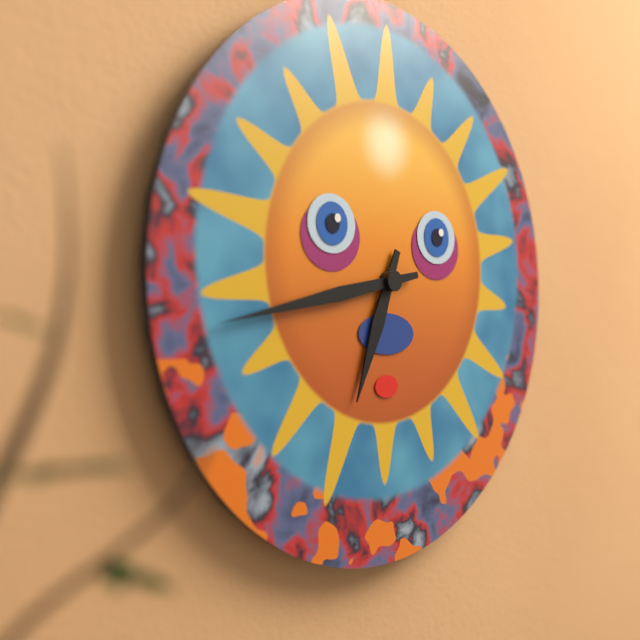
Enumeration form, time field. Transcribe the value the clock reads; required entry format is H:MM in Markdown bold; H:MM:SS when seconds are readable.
**6:43**
